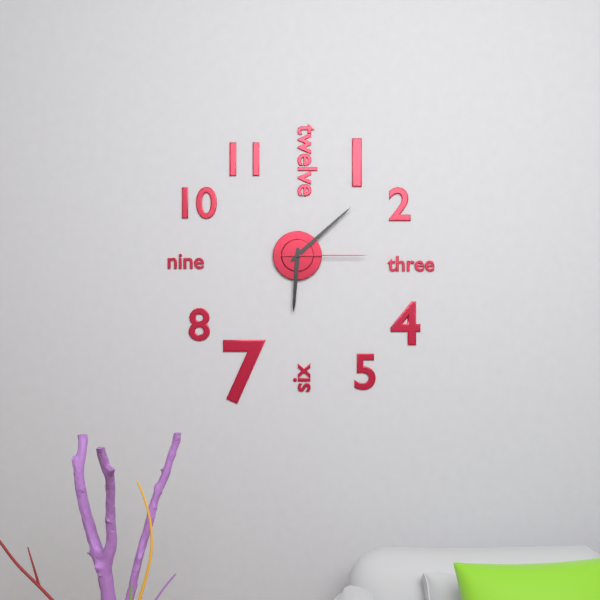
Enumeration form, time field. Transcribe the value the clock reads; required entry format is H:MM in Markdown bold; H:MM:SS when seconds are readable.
**6:08:15**
